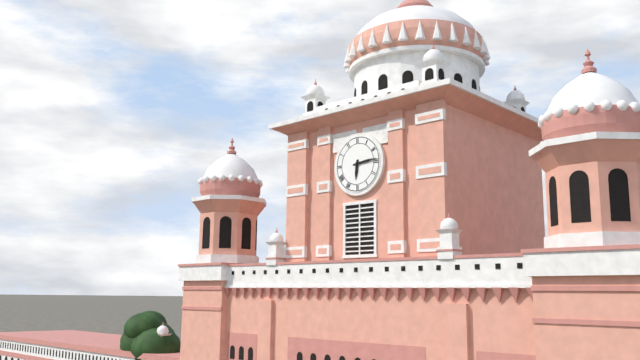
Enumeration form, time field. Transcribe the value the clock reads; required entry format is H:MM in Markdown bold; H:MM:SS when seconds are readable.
**6:14**
